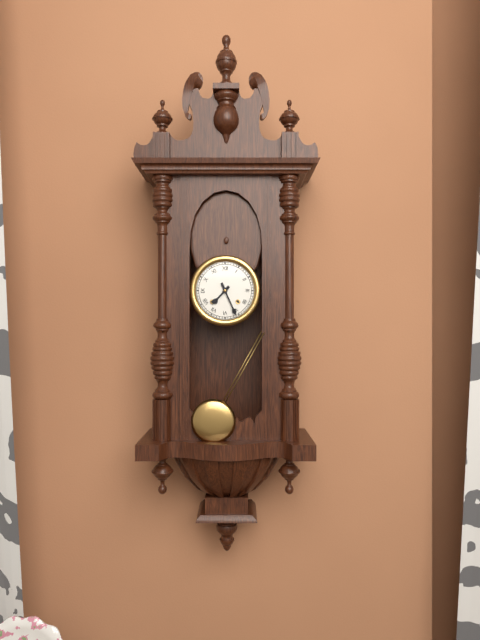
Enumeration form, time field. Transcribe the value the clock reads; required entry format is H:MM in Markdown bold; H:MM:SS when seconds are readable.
**7:26**
